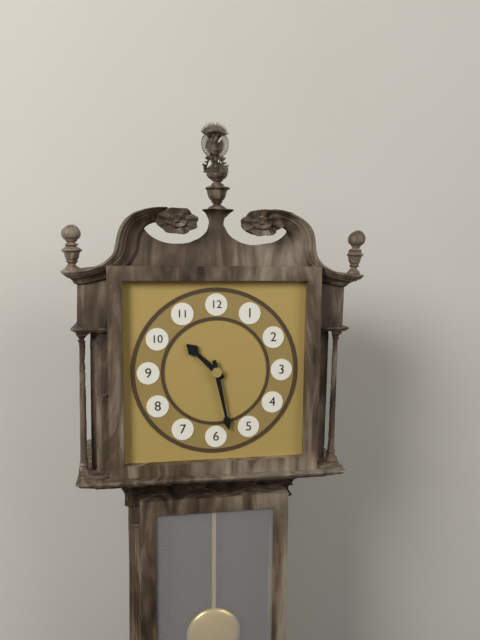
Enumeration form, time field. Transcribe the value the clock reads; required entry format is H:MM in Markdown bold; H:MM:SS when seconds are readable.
**10:28**
